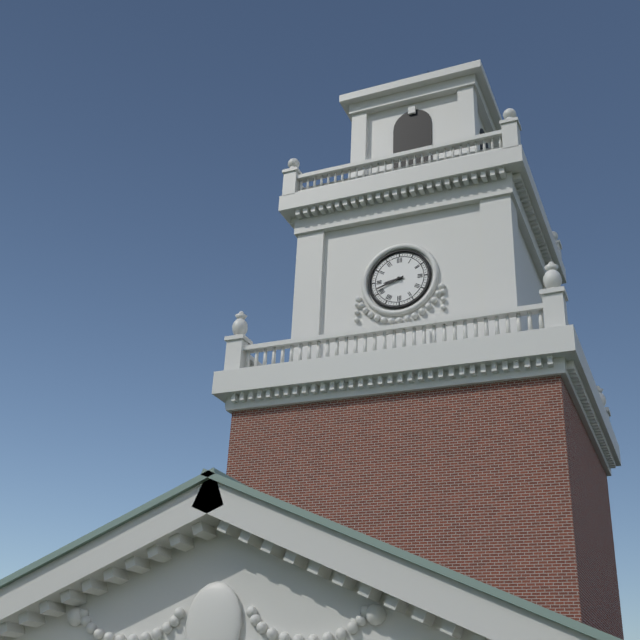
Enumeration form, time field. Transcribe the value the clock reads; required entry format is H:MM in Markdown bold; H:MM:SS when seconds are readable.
**8:42**
